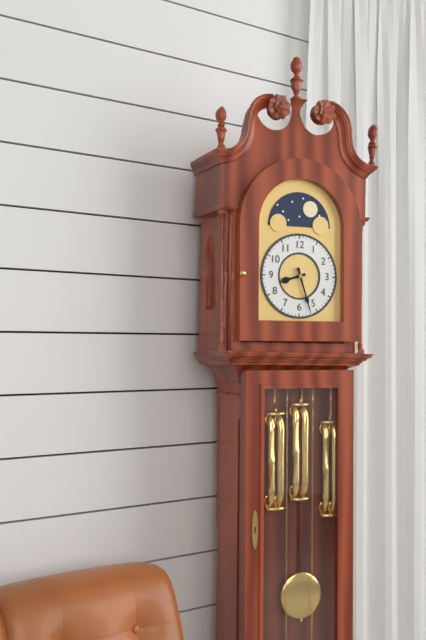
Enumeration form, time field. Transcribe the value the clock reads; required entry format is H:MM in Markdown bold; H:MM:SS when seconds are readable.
**8:27**
